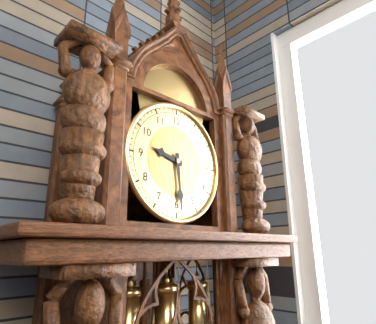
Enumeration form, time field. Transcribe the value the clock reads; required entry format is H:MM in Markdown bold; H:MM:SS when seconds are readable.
**9:29**
